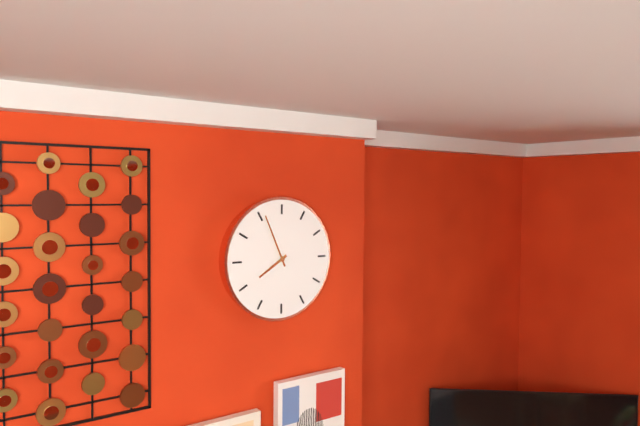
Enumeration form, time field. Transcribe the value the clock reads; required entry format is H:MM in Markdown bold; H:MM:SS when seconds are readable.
**7:56**
